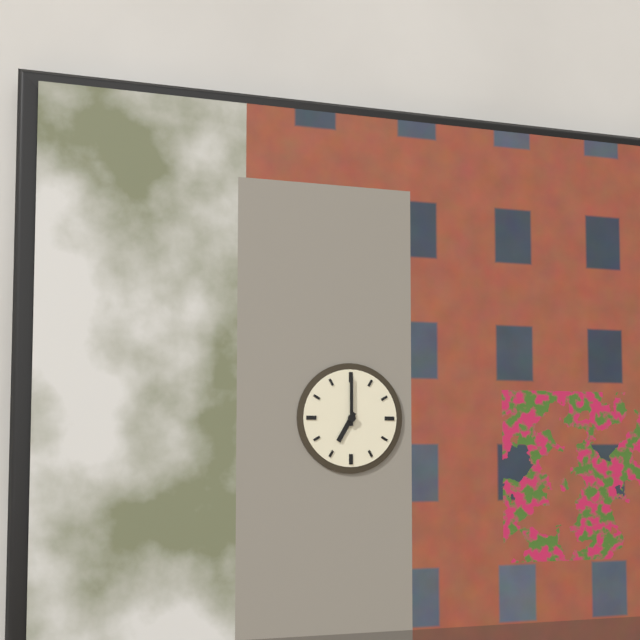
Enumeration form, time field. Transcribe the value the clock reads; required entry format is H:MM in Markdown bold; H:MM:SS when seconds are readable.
**7:00**
